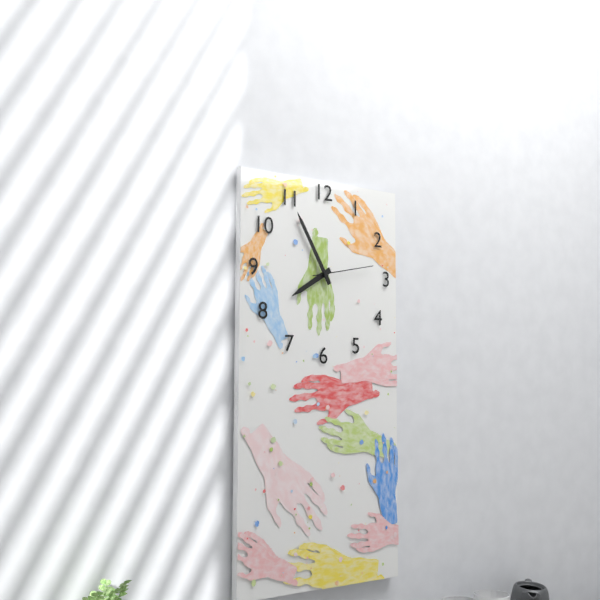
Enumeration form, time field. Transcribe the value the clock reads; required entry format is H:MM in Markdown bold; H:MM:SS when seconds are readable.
**7:55:13**
